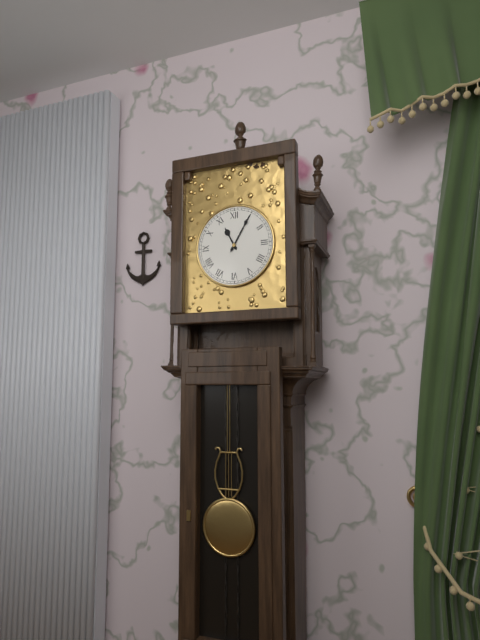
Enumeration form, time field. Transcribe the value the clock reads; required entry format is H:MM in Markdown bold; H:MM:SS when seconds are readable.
**11:05**
